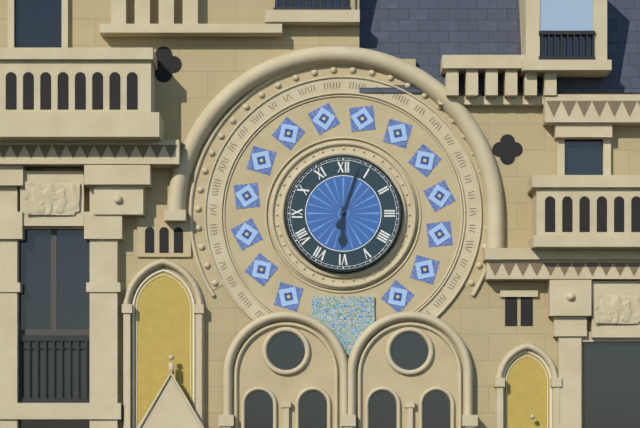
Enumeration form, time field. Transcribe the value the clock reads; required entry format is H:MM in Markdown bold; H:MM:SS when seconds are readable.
**6:03**
